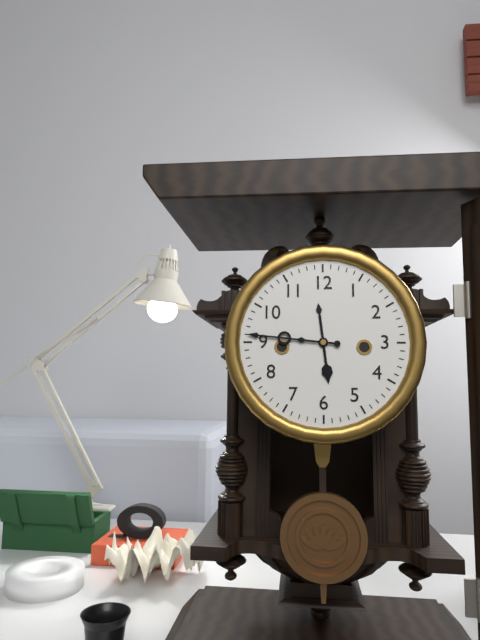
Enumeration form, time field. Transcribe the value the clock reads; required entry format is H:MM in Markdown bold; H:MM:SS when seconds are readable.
**5:46**
